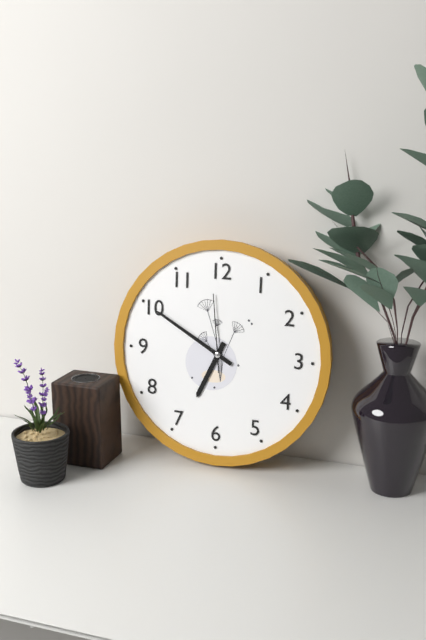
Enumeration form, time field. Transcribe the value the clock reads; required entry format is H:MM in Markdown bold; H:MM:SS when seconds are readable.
**6:50:59**
